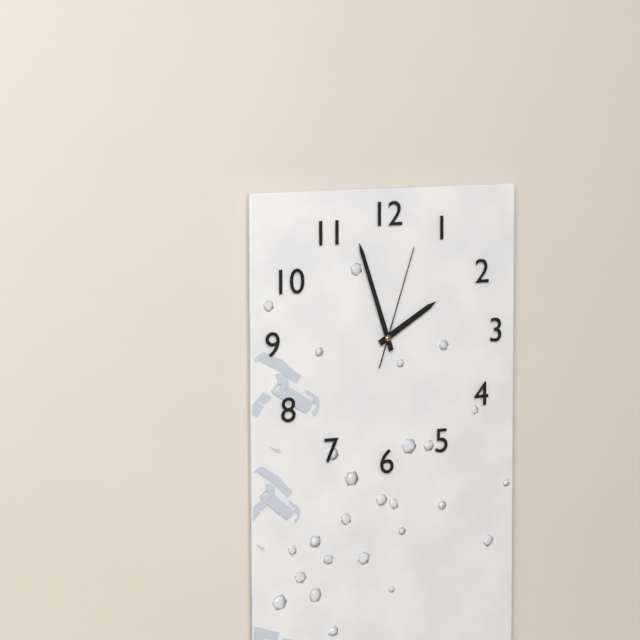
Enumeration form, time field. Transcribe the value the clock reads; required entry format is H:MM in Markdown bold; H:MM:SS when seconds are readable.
**1:57:03**
